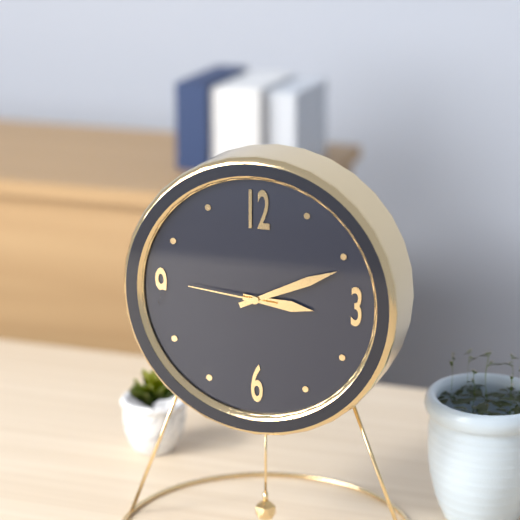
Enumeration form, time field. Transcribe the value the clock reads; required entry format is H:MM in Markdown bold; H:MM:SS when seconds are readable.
**3:11:46**
